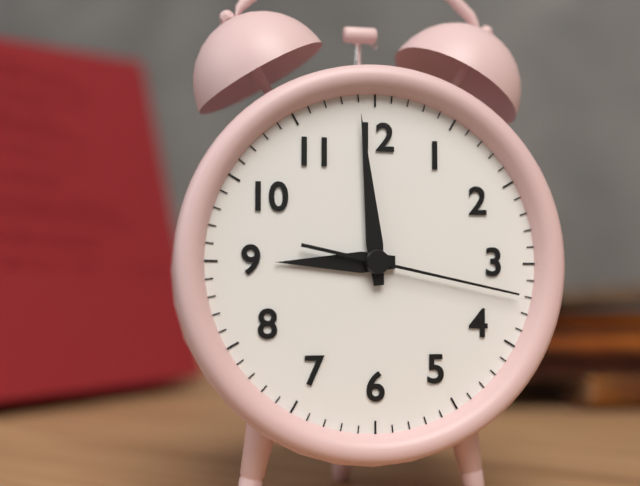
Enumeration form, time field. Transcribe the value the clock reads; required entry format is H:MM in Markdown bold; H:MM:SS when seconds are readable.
**8:59:17**
